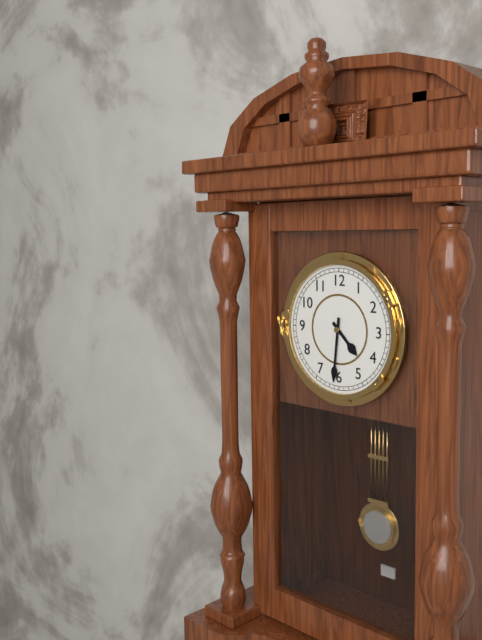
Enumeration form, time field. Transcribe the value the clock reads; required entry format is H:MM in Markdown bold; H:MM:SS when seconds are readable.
**4:31**
